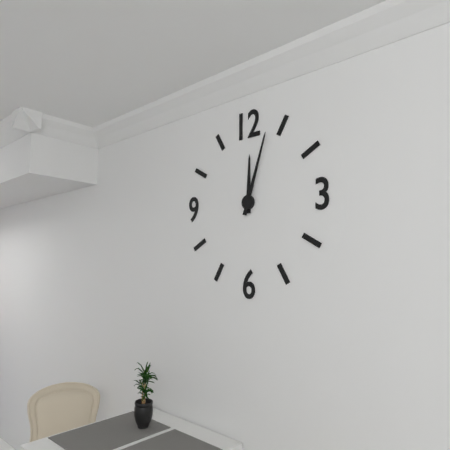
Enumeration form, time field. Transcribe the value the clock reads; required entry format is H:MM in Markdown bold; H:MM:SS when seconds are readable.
**12:03**
